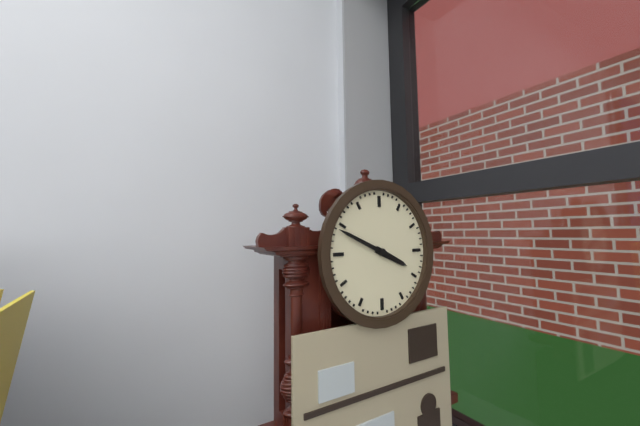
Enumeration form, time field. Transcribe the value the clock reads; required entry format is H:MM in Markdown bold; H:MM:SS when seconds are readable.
**3:49**
